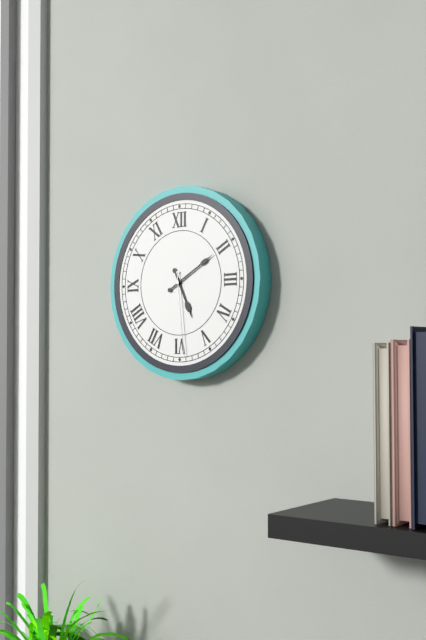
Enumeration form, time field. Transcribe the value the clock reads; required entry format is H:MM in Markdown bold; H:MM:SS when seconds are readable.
**5:10:29**
